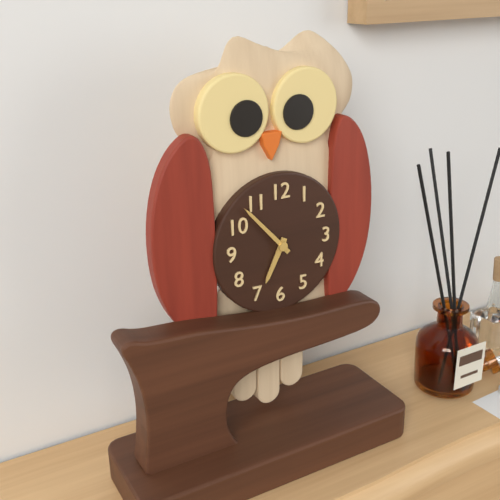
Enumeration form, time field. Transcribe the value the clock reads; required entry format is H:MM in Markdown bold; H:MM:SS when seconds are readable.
**6:53**
